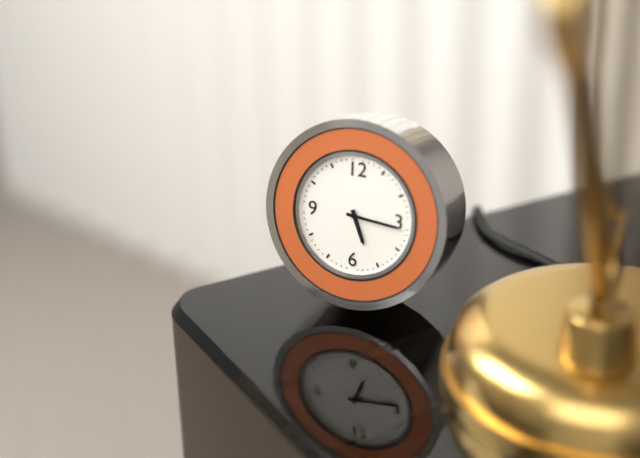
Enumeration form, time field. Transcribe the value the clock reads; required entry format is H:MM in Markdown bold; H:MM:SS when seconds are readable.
**5:16**
